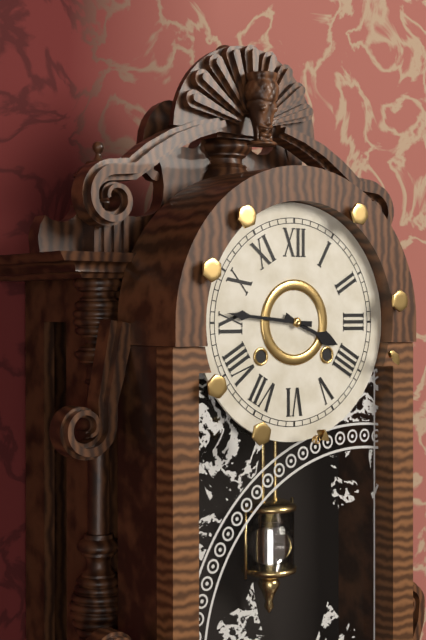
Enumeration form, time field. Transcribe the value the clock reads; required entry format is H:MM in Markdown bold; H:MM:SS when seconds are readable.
**3:46**
